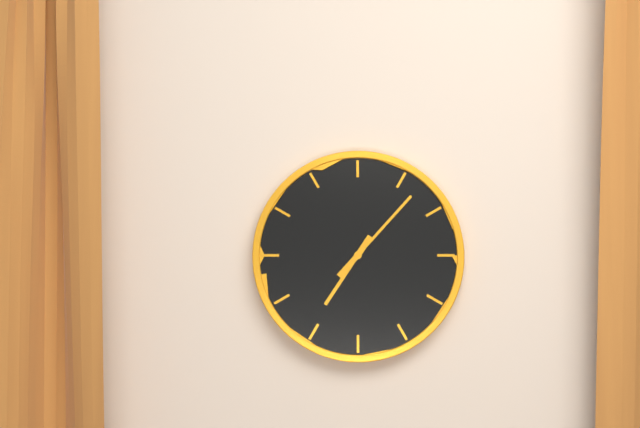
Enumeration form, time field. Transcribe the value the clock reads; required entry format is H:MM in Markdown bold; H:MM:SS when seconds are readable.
**7:07**
